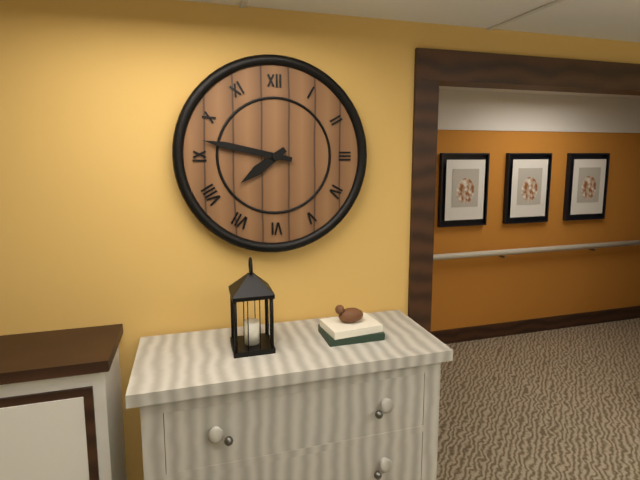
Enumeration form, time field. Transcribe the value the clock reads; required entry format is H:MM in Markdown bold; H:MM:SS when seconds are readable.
**7:47**
